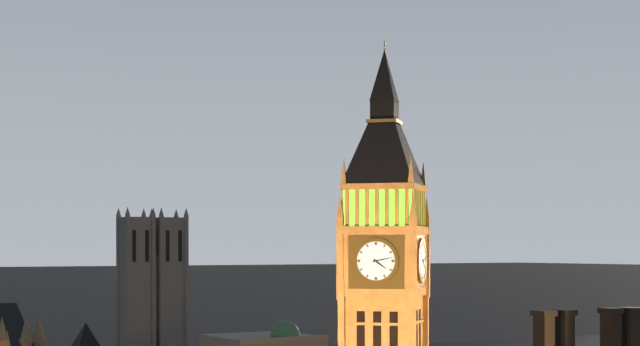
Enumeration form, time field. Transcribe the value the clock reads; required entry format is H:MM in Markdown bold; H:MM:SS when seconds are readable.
**4:13**
